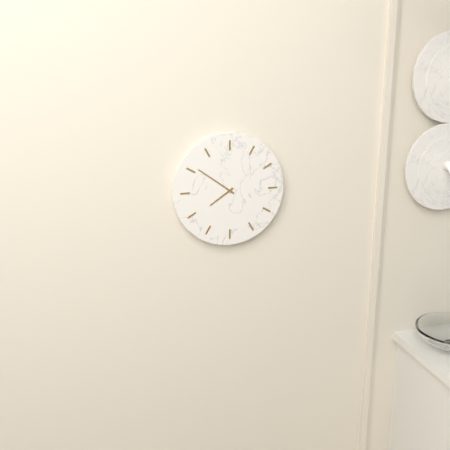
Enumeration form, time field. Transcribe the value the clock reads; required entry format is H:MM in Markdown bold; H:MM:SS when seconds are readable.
**7:51**
